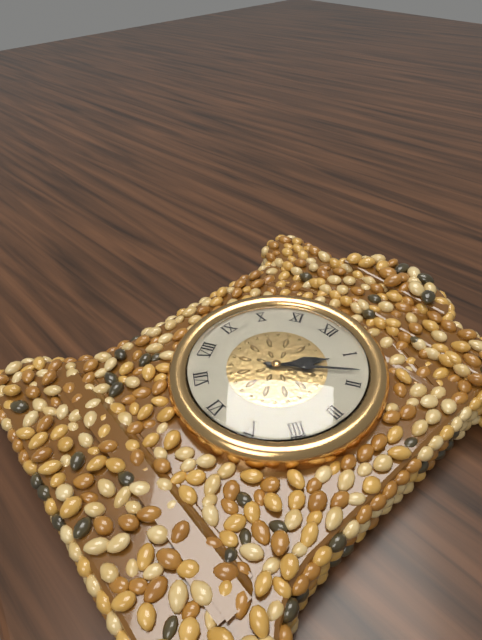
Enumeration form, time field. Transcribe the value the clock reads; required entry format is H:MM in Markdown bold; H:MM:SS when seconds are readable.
**1:08**
